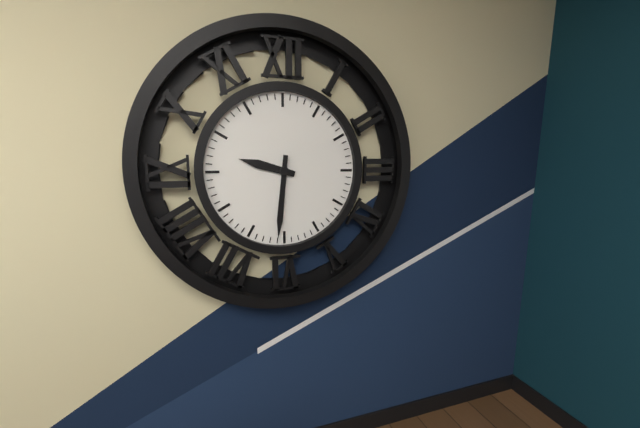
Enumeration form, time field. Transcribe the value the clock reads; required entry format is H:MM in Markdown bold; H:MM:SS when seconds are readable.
**9:31**
